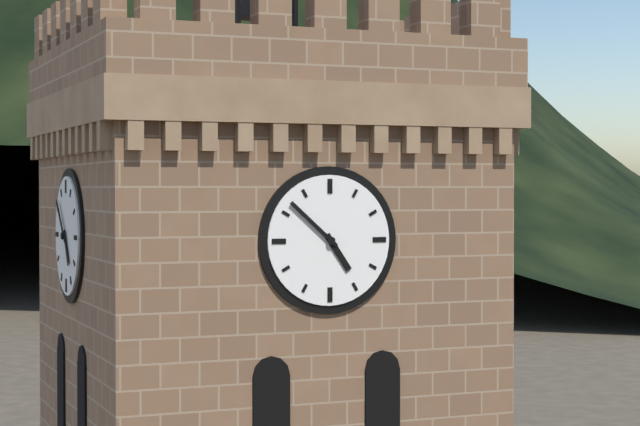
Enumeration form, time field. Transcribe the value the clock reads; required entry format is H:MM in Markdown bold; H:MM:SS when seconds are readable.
**4:52**
